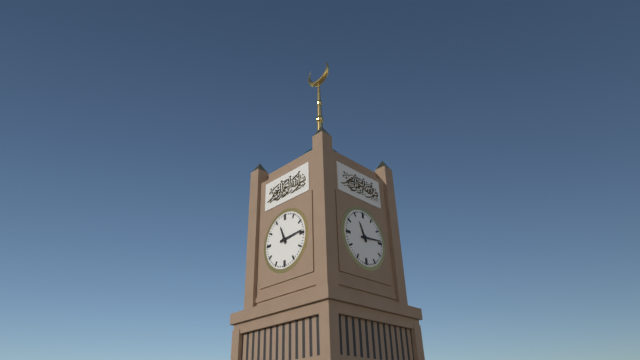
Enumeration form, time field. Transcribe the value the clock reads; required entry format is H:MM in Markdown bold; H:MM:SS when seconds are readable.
**11:14**
